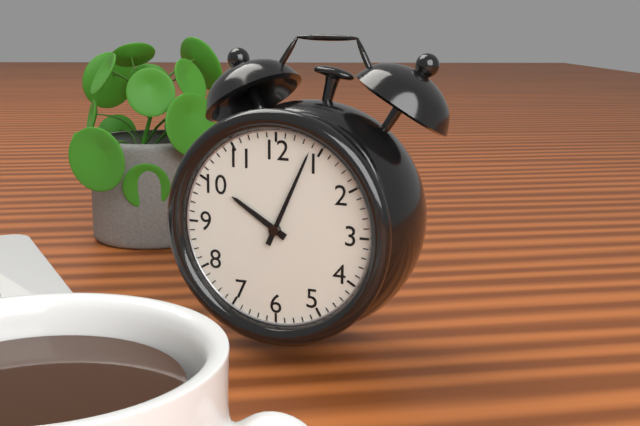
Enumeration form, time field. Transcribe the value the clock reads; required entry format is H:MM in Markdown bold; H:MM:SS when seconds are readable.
**10:04**
